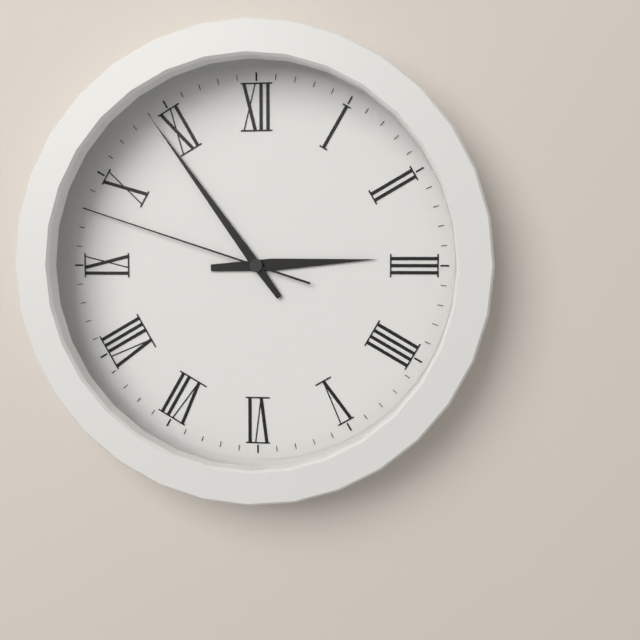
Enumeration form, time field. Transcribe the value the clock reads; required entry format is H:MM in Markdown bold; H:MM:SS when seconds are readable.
**2:54:48**
